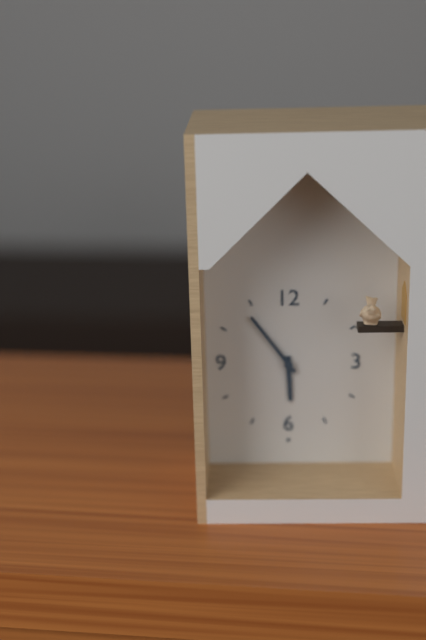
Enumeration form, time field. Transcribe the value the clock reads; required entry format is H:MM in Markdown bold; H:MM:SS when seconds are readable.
**5:54**
